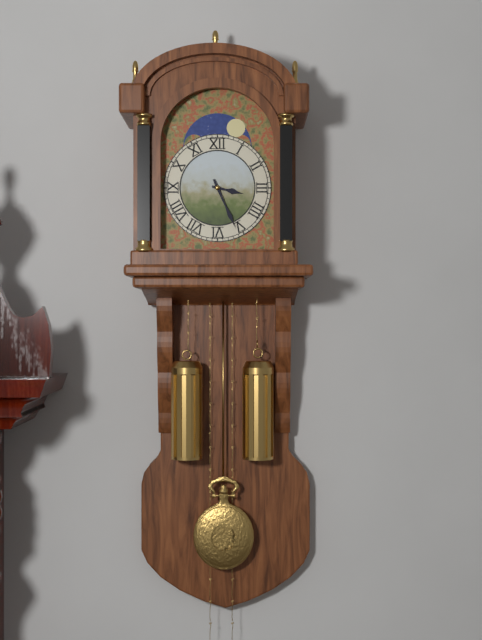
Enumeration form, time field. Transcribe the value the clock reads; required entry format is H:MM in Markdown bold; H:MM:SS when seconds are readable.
**3:26**
